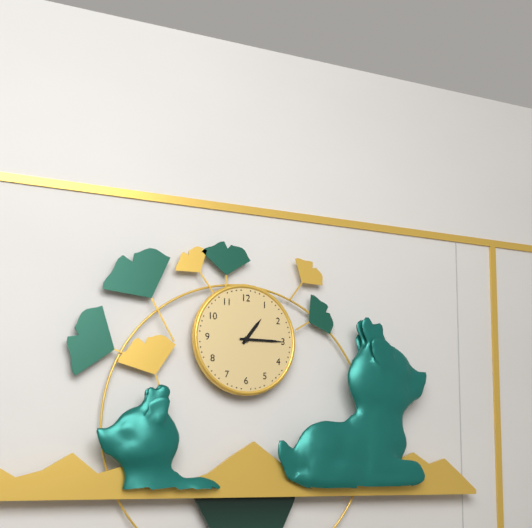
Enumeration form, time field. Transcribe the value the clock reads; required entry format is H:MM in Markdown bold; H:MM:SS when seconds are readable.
**1:15**
